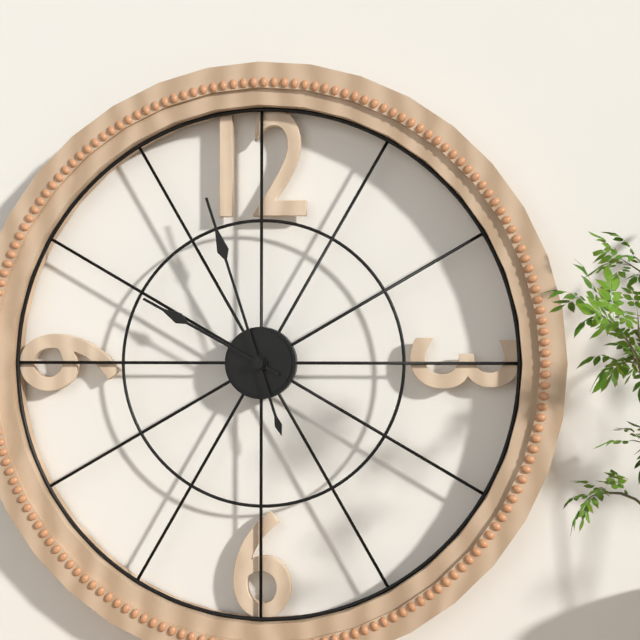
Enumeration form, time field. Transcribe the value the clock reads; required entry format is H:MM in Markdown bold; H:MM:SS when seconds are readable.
**9:57**
